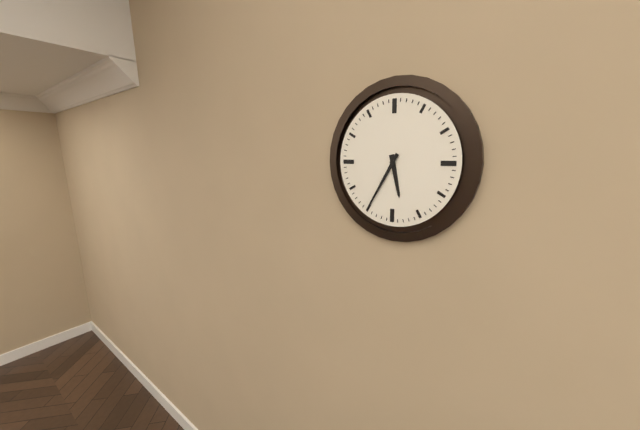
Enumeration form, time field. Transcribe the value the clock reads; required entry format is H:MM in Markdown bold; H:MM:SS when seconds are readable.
**5:35**
